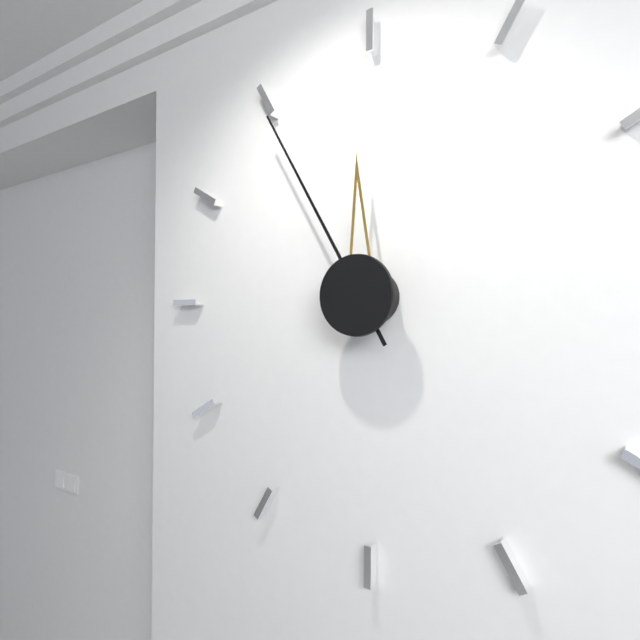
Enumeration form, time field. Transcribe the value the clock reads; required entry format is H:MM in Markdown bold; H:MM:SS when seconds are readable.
**11:55**
